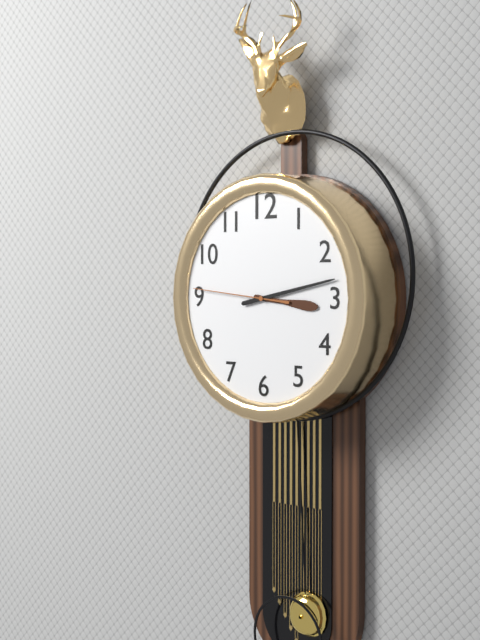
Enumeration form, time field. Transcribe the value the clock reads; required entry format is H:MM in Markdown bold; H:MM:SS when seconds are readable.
**3:13:46**
